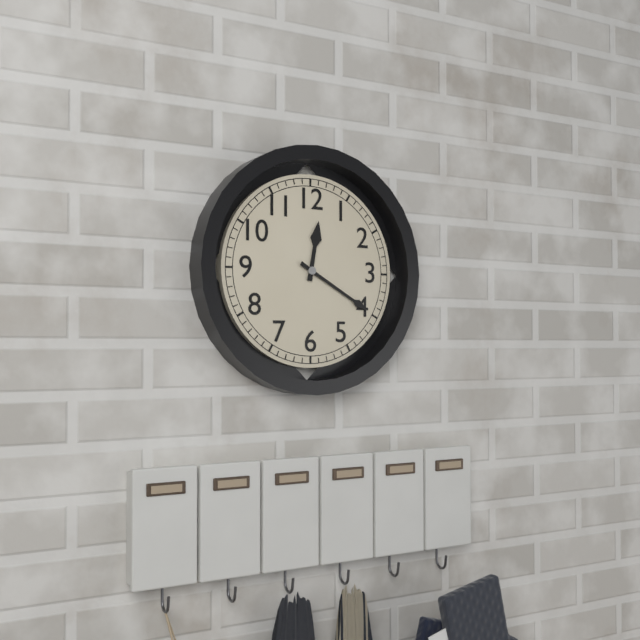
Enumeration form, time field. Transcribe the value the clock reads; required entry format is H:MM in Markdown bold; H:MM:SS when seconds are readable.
**12:20**
